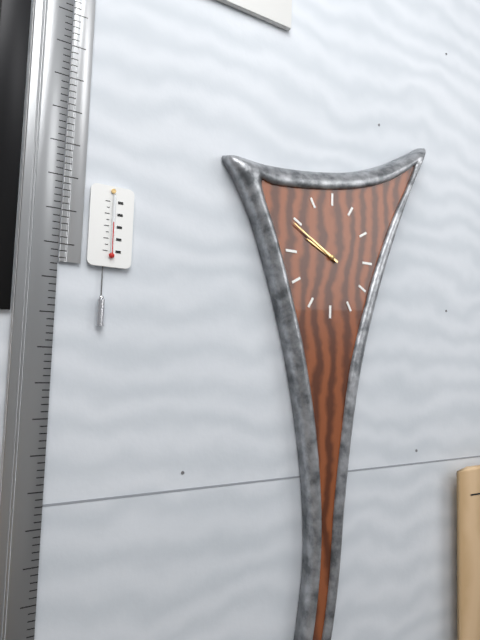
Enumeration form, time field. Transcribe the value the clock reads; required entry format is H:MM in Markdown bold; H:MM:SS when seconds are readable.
**9:50**
